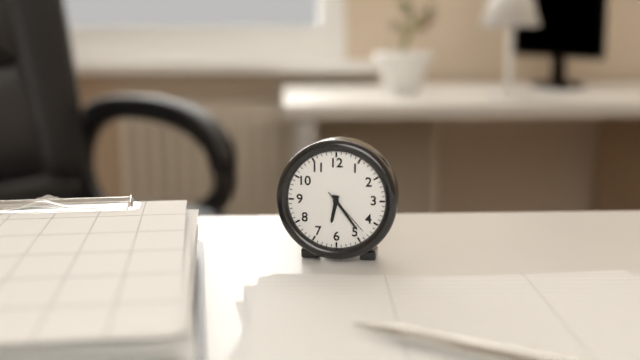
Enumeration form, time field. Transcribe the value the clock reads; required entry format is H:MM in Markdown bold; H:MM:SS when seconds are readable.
**6:24:23**
